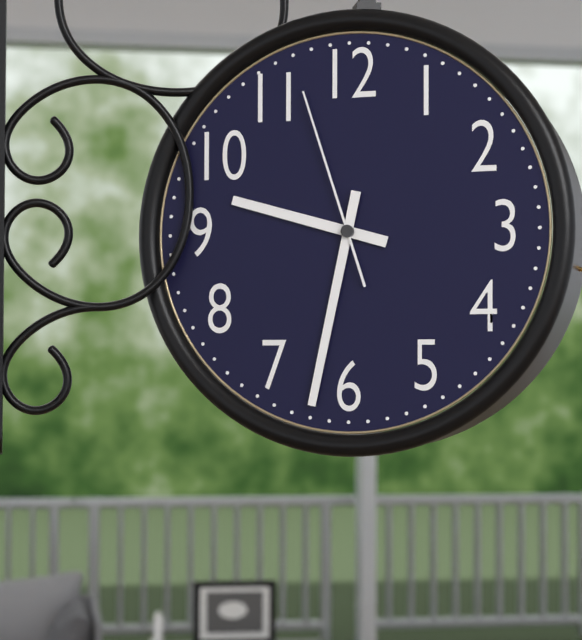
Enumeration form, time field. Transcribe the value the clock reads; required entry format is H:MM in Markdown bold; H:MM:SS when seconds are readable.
**9:32:57**
